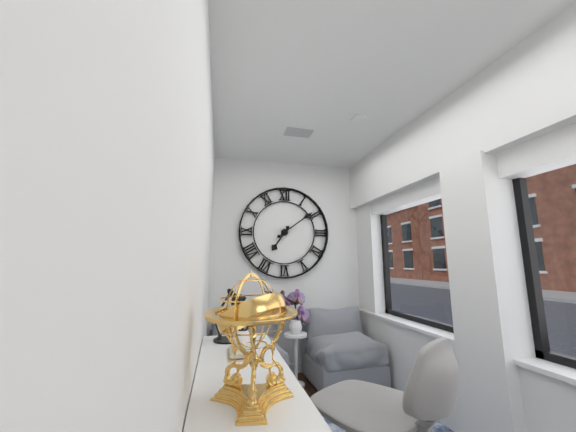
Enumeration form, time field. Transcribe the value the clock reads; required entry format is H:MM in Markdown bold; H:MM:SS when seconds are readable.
**7:09**
